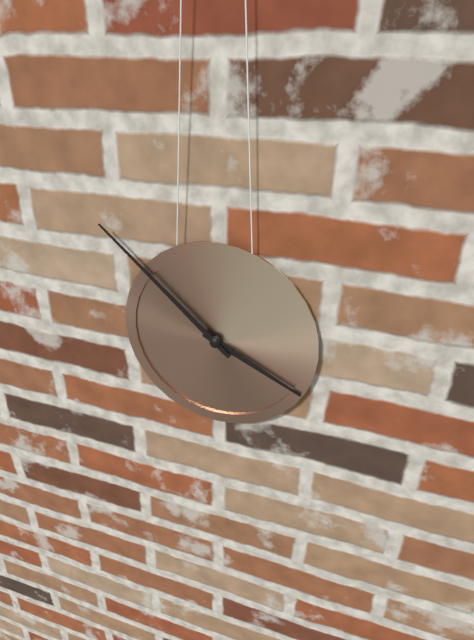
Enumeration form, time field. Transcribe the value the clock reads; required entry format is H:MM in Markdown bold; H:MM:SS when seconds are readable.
**3:52**
